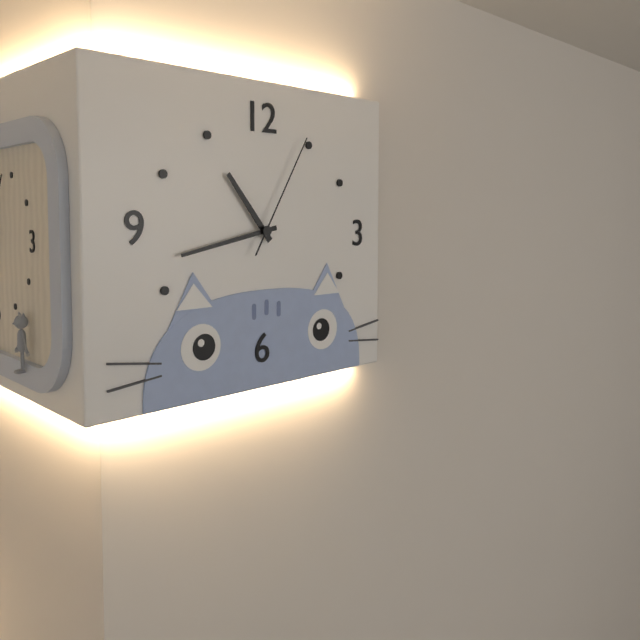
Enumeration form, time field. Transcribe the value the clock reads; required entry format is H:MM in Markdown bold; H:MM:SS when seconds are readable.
**10:43:05**
